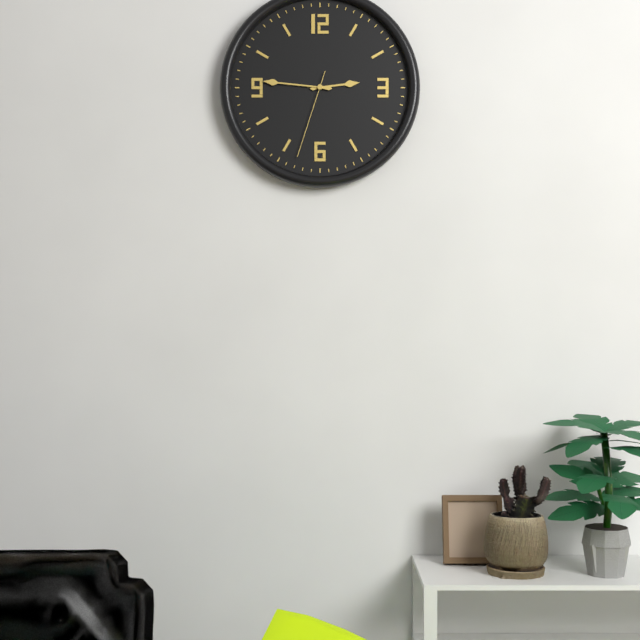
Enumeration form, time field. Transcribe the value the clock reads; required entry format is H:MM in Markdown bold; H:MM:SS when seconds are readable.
**2:46:33**
